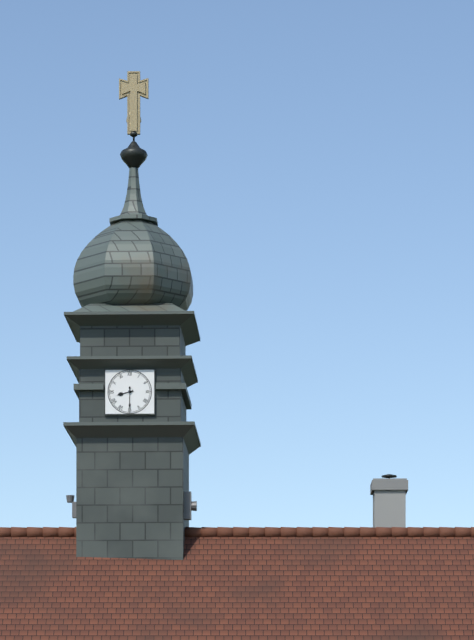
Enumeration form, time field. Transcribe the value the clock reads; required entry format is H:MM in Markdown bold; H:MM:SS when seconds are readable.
**8:30**
